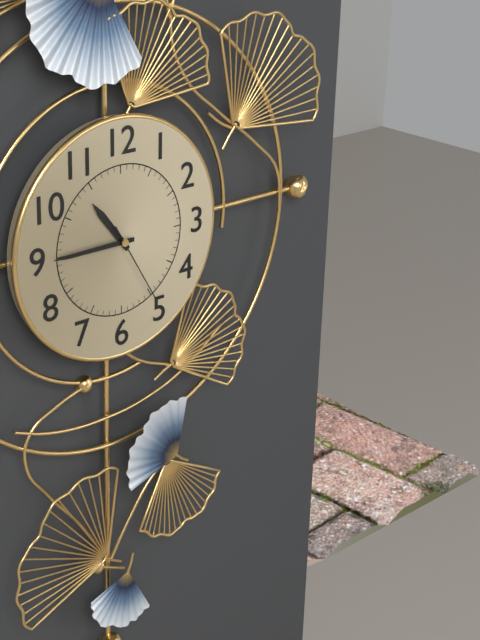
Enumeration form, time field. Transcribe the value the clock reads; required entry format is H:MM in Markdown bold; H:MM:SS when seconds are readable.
**10:45:25**
